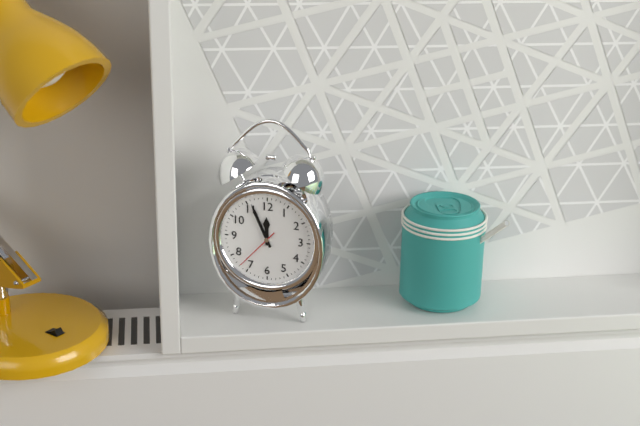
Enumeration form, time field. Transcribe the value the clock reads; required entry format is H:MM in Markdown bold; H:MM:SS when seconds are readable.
**11:56**
